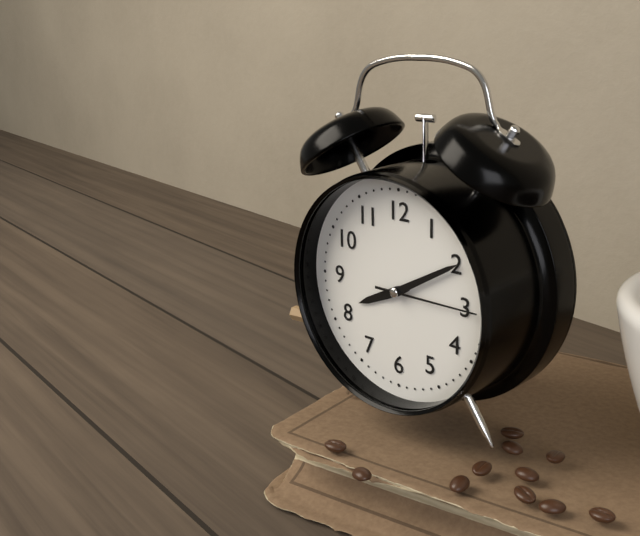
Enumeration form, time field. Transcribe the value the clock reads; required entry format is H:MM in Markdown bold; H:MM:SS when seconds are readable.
**8:10:15**
